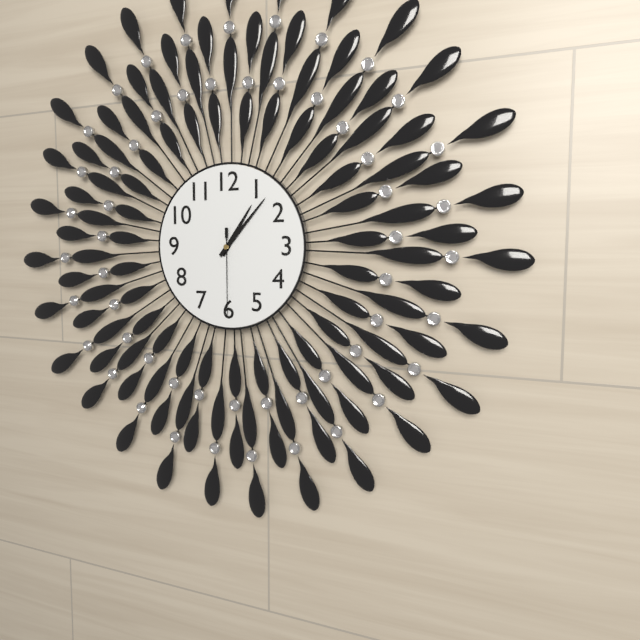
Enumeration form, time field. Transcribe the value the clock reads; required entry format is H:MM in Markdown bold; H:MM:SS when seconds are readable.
**1:07:30**
